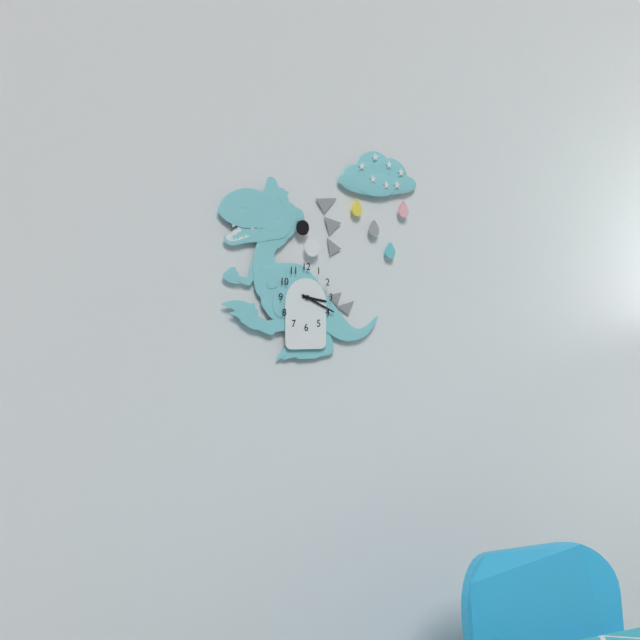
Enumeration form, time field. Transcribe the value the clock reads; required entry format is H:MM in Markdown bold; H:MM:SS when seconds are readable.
**3:19**
